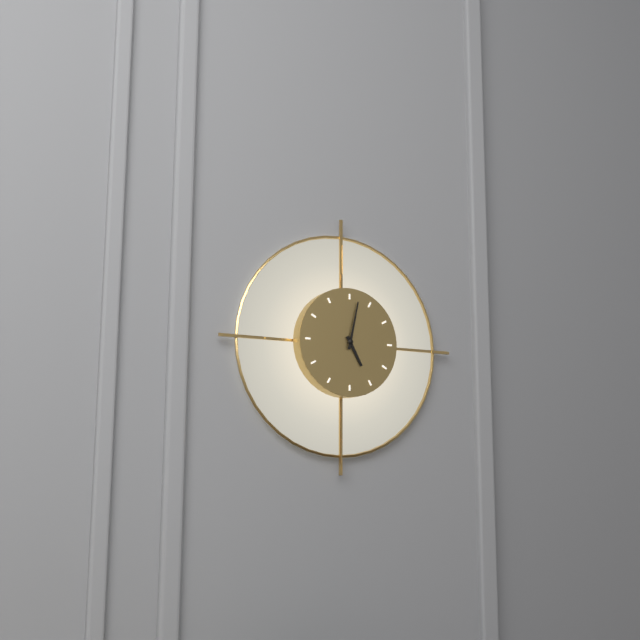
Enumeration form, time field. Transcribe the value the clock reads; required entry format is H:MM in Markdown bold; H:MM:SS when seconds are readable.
**5:02**
